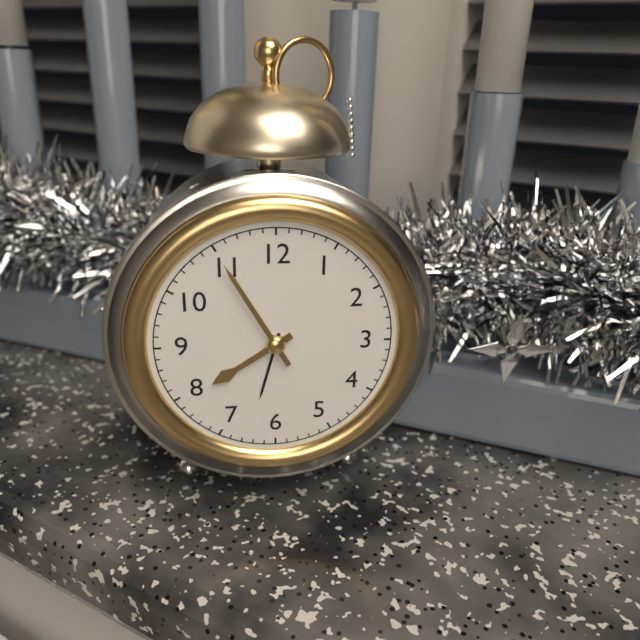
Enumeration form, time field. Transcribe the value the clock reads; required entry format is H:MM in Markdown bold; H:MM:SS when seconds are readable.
**7:55**
